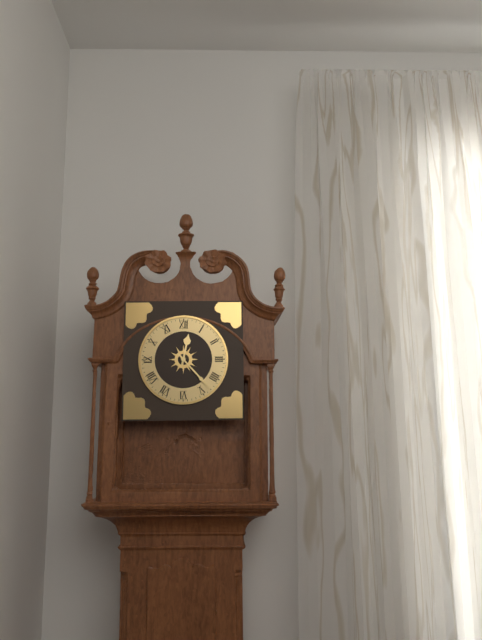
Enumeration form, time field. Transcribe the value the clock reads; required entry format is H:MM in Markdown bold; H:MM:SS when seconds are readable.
**12:23**
